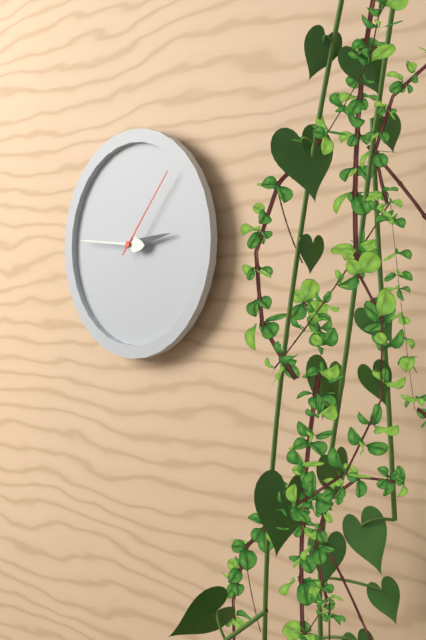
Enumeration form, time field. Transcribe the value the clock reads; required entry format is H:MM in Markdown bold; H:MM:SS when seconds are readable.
**2:46:07**
